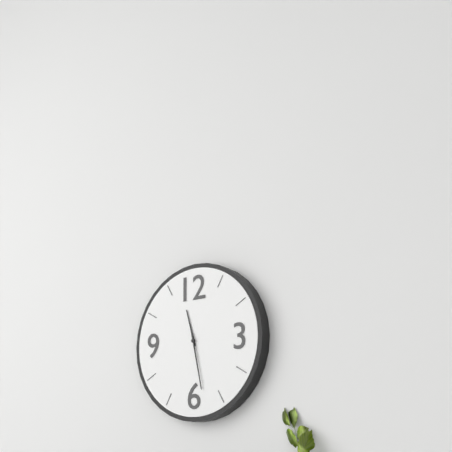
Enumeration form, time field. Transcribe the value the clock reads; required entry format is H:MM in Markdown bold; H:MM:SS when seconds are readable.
**11:28**
